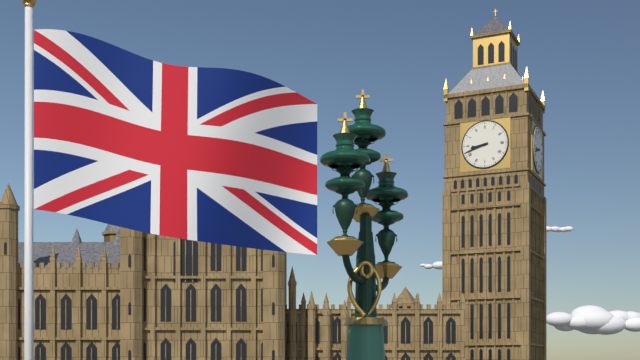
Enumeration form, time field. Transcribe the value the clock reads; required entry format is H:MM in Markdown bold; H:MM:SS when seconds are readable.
**8:42**
